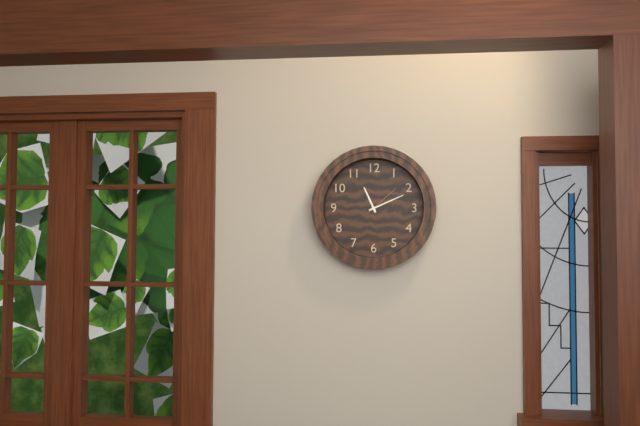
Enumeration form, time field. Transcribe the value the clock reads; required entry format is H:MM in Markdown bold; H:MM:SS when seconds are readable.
**11:11**
